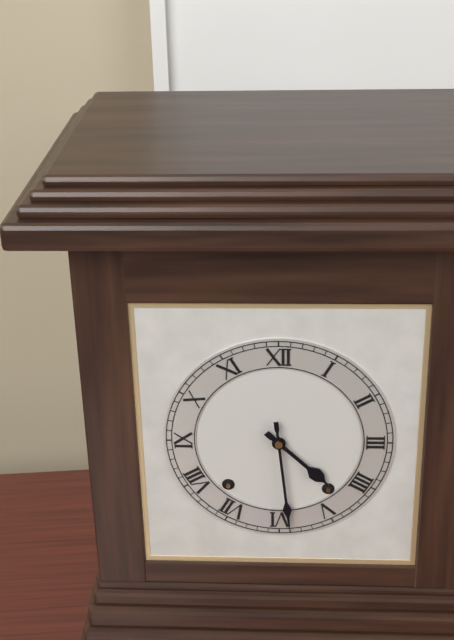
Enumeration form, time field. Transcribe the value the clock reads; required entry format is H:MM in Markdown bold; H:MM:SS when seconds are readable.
**4:29**
